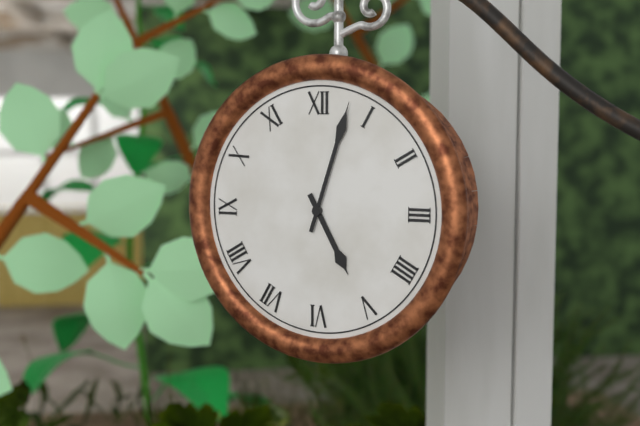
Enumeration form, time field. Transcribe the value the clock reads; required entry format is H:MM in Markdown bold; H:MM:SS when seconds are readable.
**5:03**
